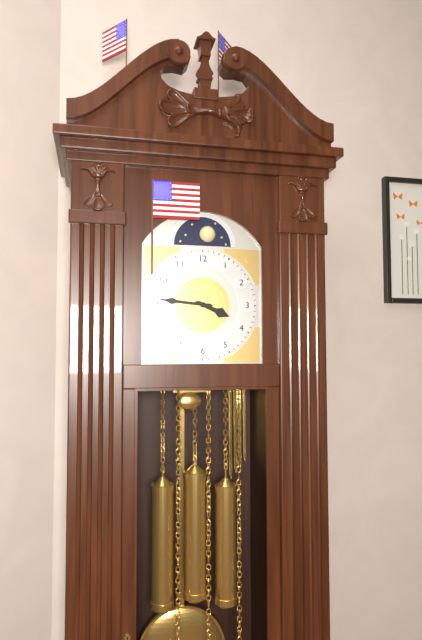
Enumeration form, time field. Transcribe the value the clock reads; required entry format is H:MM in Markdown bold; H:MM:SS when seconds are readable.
**3:46**
